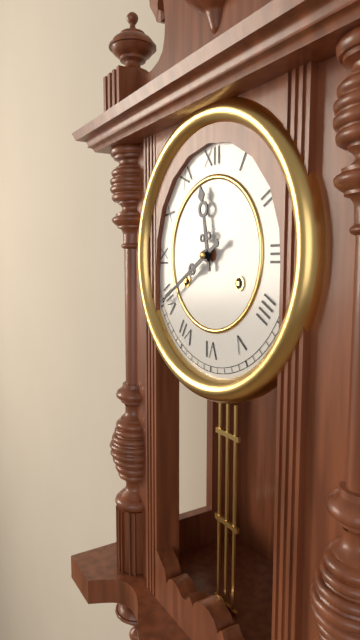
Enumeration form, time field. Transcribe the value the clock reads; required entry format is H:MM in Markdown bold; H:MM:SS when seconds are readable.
**11:40**
